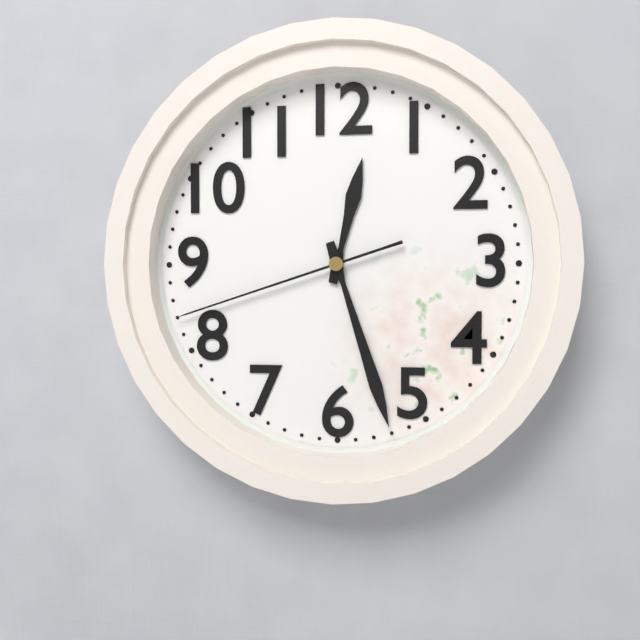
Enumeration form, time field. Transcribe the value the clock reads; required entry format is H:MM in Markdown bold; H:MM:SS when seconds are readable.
**12:27:42**
